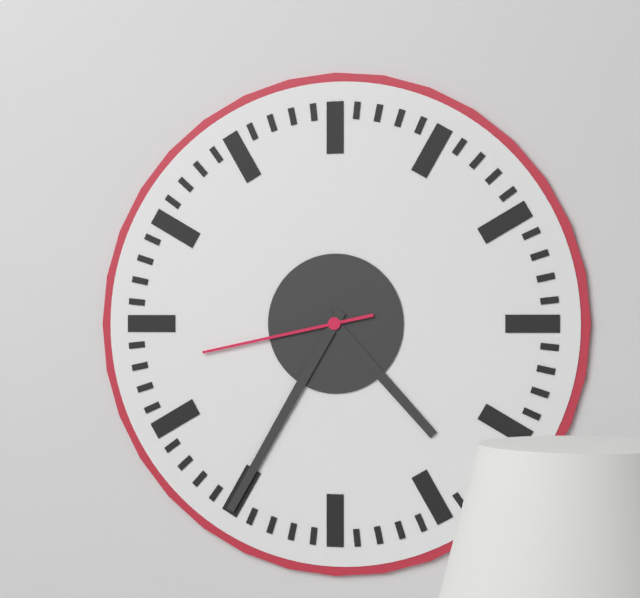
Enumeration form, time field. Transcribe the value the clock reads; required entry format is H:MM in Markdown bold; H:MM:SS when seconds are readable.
**4:35:43**
